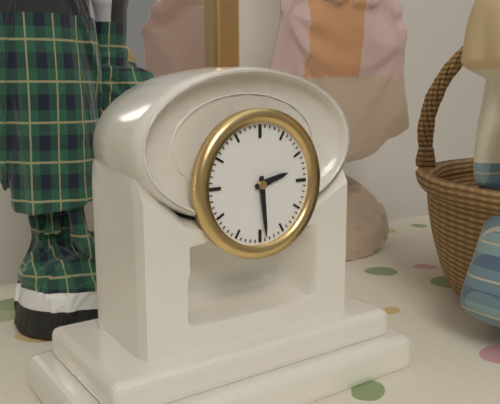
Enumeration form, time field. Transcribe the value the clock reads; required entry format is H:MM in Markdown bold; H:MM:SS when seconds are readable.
**2:29**
